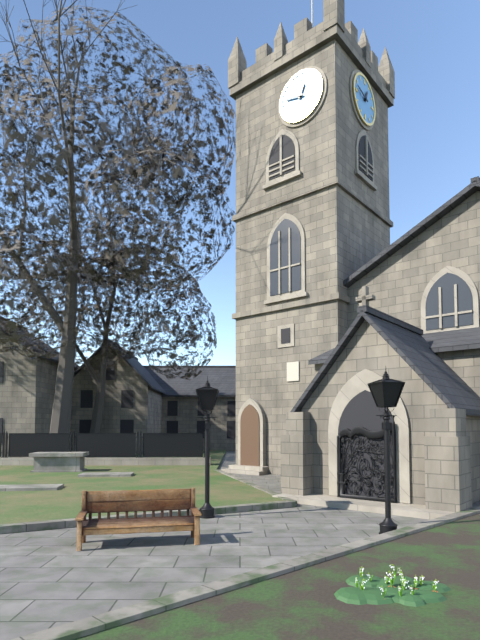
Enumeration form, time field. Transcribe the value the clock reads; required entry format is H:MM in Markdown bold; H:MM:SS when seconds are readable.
**12:47**
